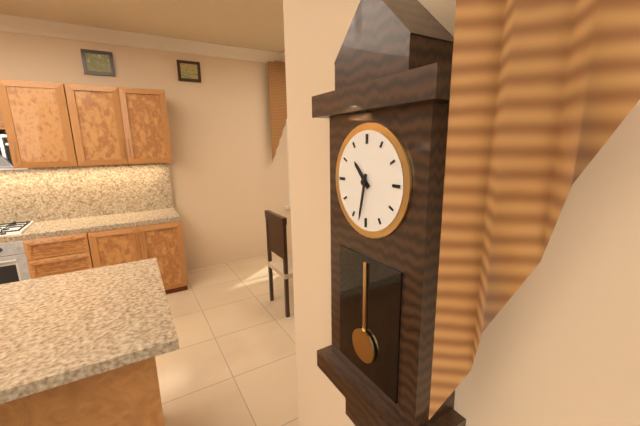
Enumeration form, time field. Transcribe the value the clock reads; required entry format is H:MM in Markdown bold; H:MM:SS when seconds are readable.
**10:32**
